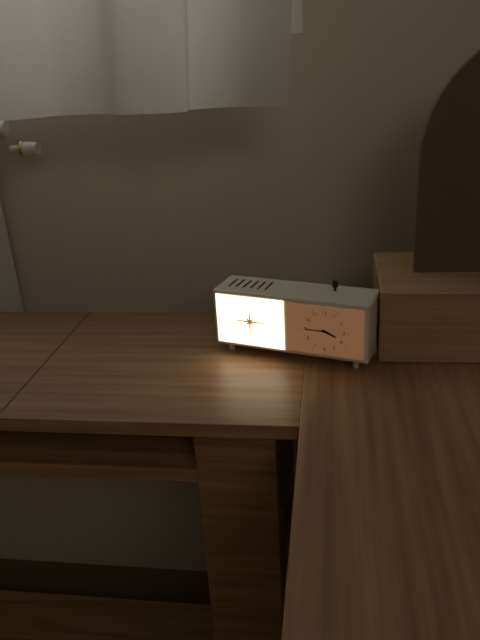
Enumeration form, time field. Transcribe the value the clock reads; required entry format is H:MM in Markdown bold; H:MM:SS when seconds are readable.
**3:45**
